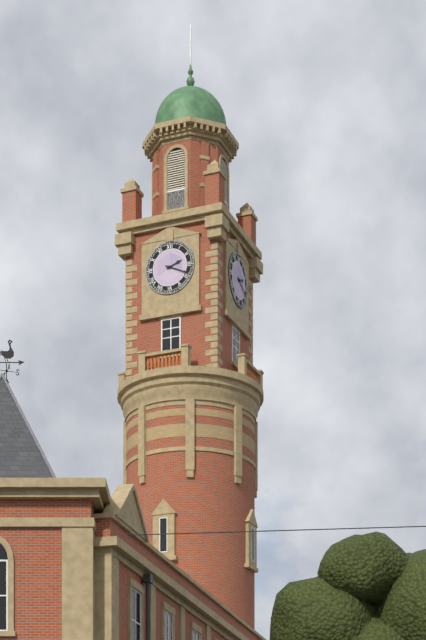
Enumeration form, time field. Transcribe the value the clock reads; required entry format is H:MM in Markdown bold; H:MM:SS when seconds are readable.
**2:19**
